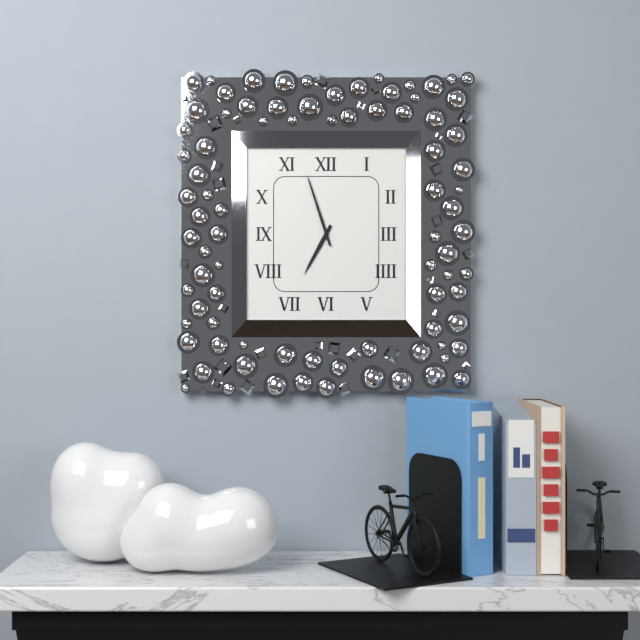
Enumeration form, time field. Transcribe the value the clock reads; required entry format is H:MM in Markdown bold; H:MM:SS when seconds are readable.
**6:57**
